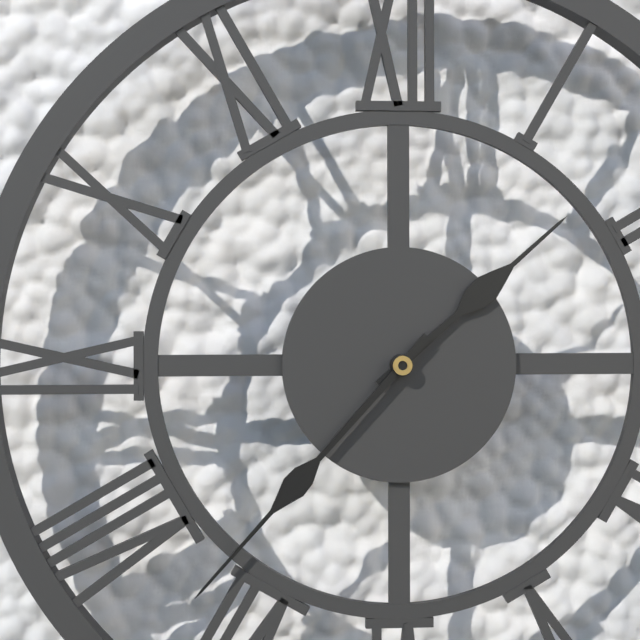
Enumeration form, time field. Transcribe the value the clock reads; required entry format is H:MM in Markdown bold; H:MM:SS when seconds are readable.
**1:37**
